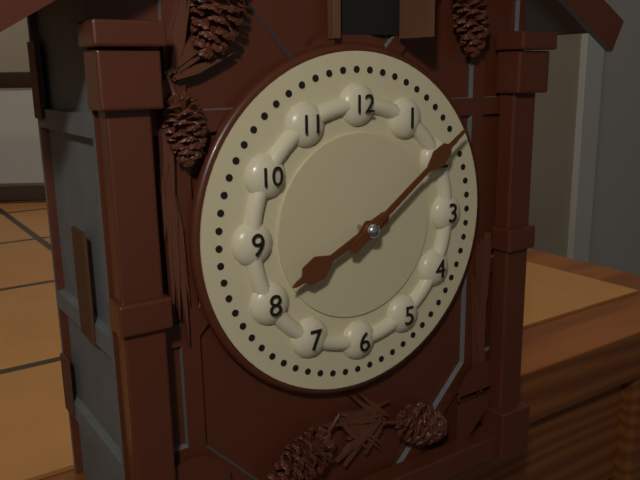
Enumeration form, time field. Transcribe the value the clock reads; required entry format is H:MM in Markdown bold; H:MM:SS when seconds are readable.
**8:09**
